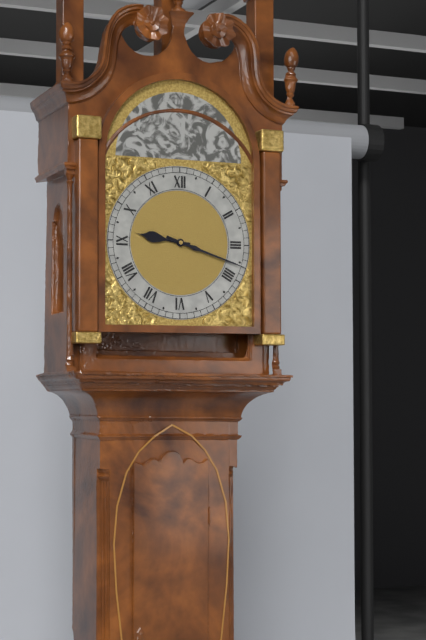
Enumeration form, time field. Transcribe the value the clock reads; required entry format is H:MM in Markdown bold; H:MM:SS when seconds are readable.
**9:18**
